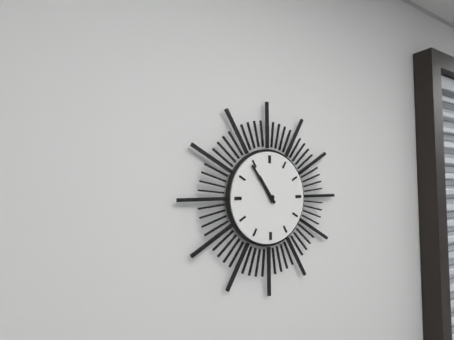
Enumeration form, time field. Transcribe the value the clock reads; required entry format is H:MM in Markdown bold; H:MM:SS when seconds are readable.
**10:54**
